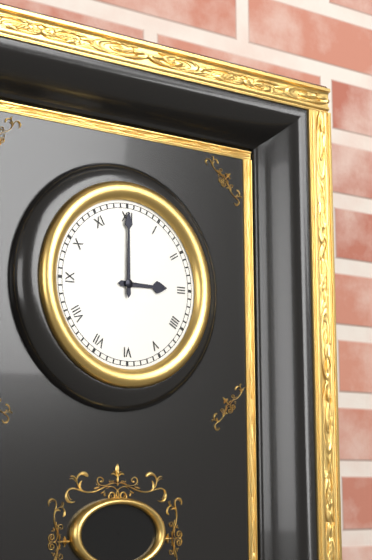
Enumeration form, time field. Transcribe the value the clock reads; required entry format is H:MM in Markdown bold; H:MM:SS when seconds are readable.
**3:00**
